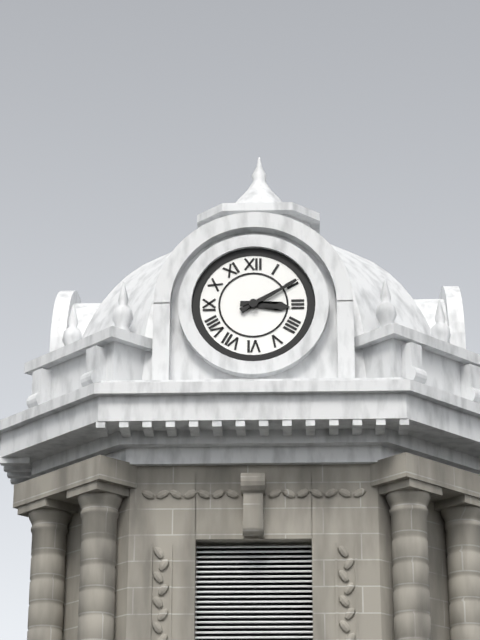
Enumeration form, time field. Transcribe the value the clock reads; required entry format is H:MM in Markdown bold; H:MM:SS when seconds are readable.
**3:10**
